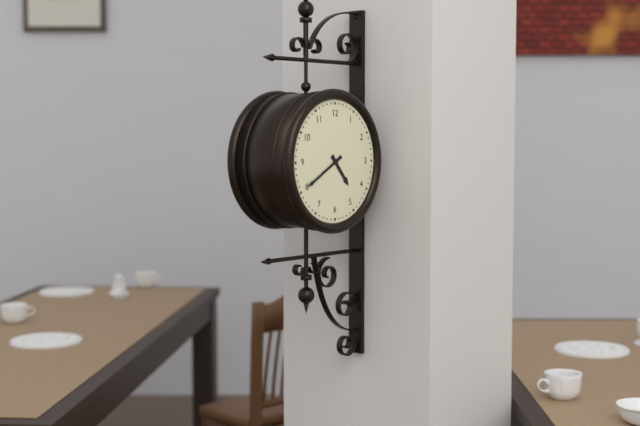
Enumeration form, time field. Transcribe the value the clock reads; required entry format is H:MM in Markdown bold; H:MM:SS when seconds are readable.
**4:40**
